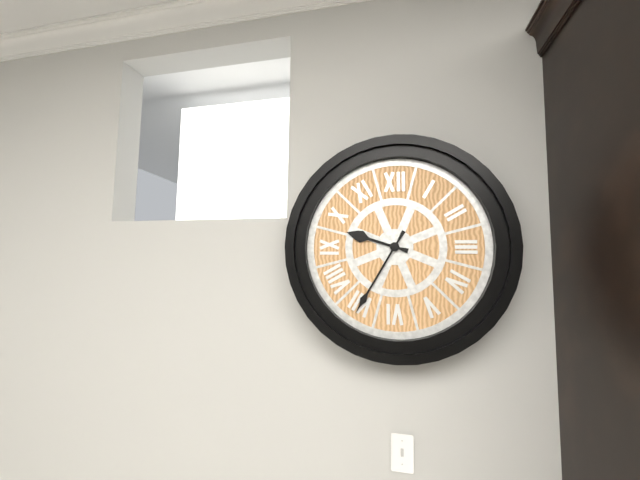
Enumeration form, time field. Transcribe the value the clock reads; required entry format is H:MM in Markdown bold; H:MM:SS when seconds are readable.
**9:35**
